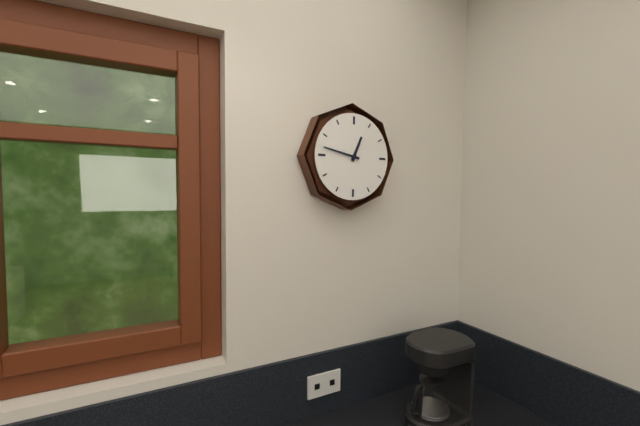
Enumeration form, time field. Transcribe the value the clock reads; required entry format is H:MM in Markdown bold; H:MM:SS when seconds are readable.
**12:47**
